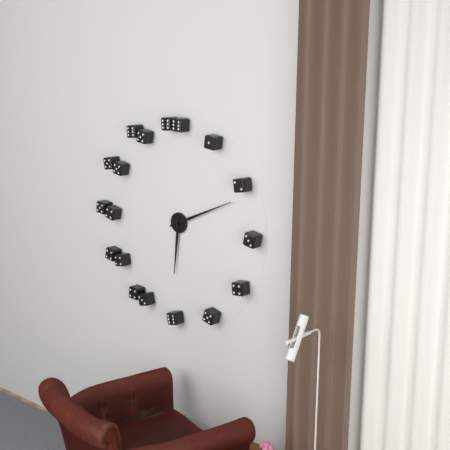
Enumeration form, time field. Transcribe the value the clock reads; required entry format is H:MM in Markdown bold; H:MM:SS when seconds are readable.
**6:11**
